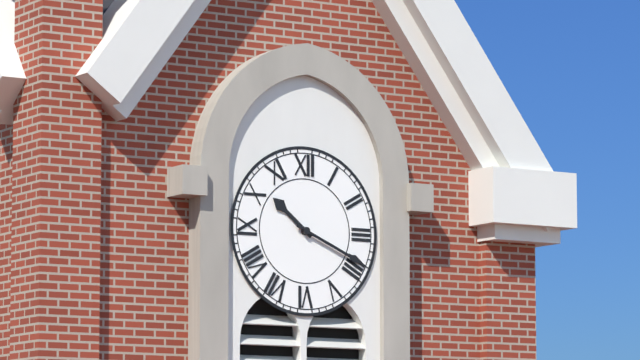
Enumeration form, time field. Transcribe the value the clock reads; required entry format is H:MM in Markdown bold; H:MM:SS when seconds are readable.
**10:19**
